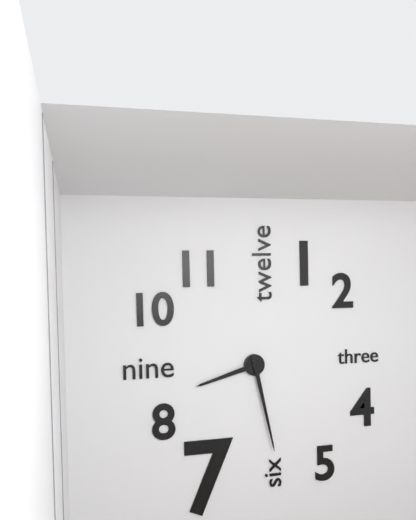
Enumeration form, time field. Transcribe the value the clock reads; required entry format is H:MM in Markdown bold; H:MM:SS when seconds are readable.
**8:28**
